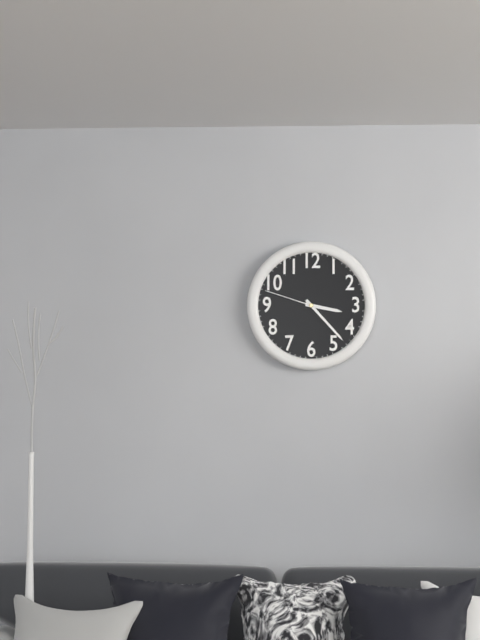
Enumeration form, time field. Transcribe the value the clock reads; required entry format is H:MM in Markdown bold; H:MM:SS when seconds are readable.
**3:23:48**
